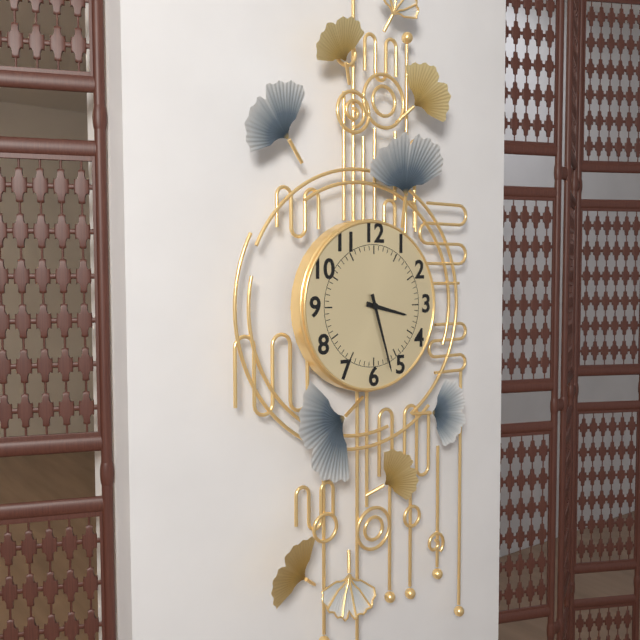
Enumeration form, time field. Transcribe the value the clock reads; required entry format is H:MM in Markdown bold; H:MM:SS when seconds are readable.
**3:27**
